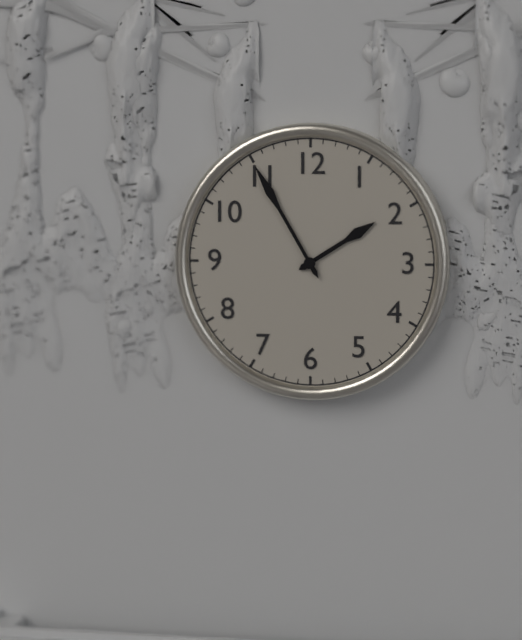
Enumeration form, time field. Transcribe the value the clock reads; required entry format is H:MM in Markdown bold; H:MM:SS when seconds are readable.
**1:55**
